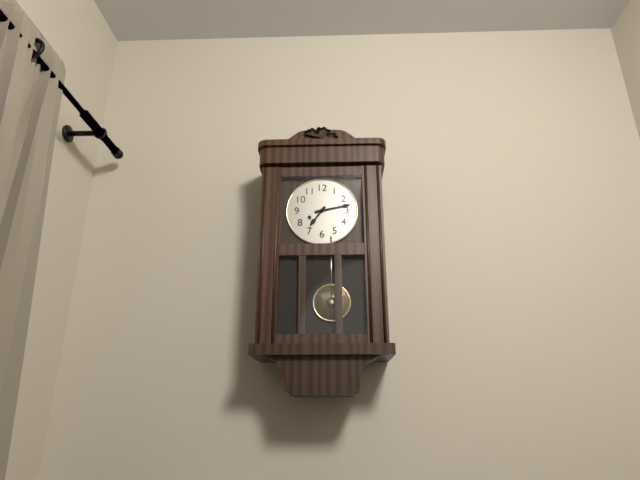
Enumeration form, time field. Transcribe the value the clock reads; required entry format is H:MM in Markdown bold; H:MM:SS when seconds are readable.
**7:13**
